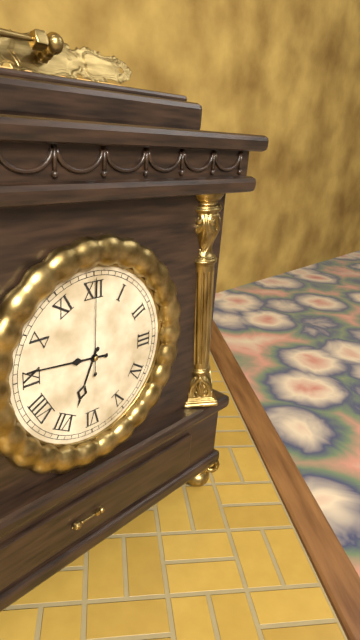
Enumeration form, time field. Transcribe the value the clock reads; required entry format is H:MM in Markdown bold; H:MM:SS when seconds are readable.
**6:46:00**
